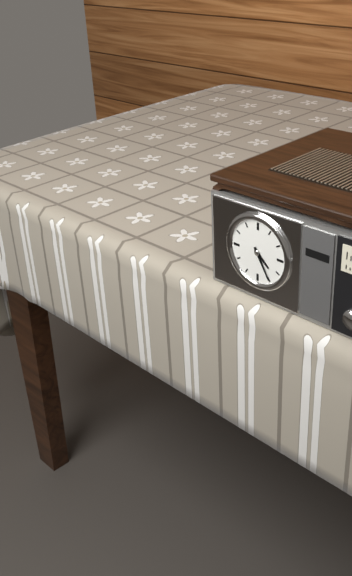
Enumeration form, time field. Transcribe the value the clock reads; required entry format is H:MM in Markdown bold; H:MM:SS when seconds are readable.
**4:25**
